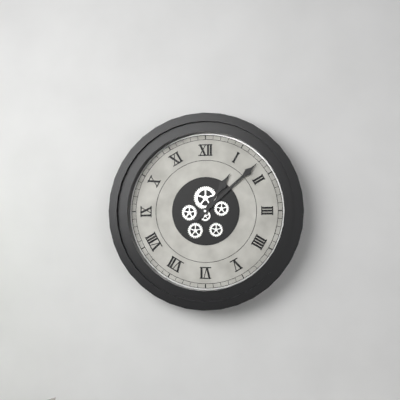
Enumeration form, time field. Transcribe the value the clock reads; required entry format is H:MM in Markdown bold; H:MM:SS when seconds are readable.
**1:08**
